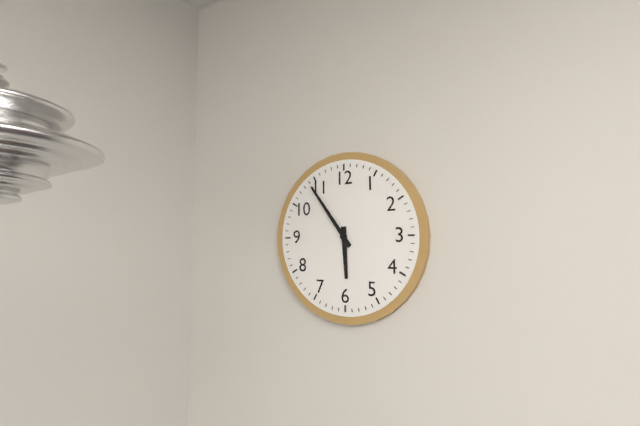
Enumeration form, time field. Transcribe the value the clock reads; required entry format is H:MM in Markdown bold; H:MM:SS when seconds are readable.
**5:54**
